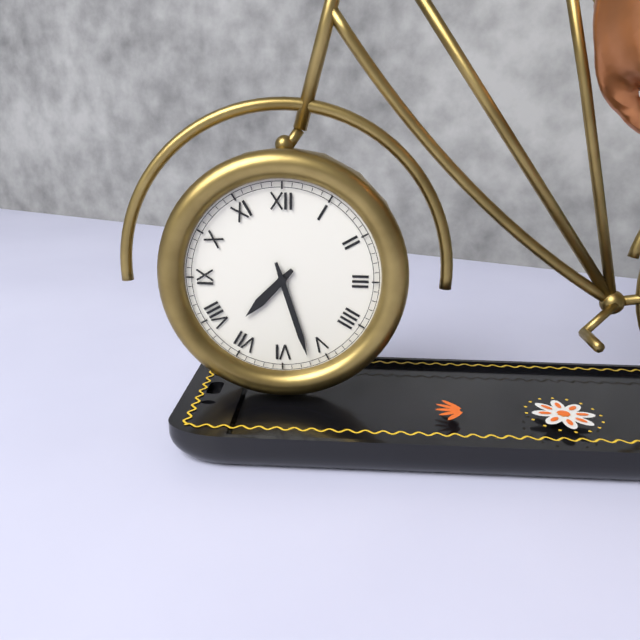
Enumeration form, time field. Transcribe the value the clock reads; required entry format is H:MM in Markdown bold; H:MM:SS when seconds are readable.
**7:27**
